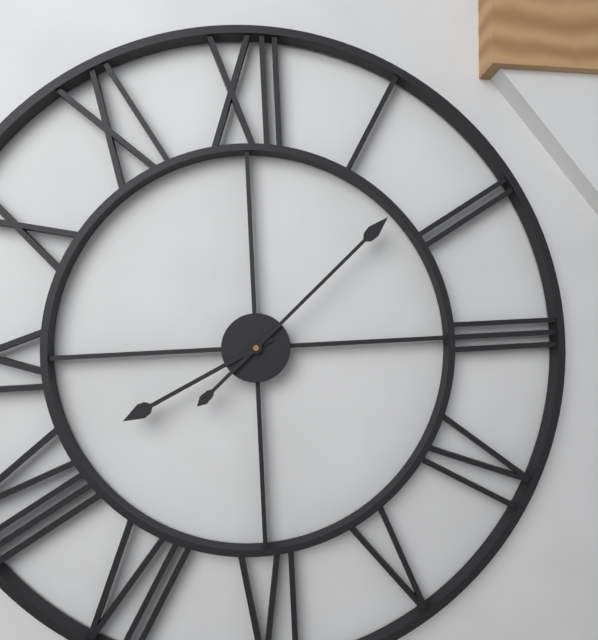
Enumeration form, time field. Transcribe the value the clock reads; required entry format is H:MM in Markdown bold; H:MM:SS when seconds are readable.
**8:08**
